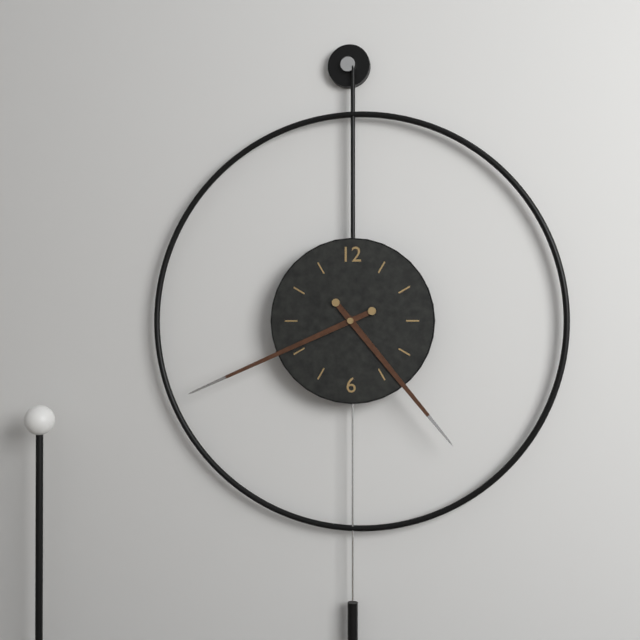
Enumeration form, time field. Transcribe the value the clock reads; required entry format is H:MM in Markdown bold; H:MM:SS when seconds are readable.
**4:41**
